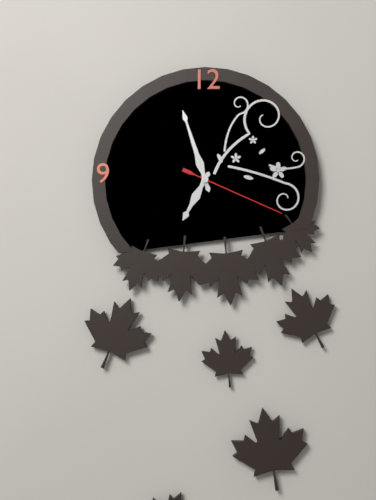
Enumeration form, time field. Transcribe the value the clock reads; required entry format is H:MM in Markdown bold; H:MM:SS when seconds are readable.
**6:57:19**
